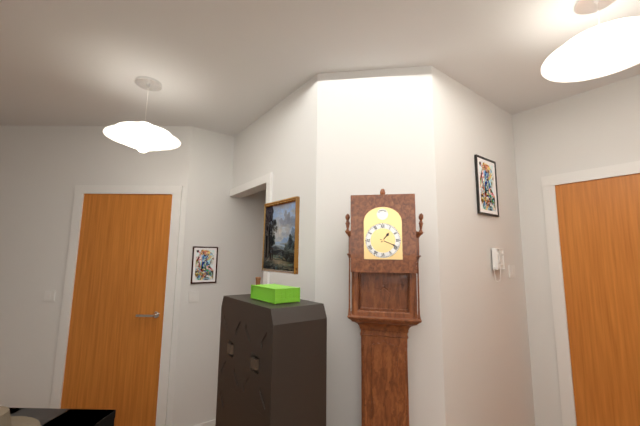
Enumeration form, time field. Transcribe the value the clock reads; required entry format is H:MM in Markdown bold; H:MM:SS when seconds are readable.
**1:19**
